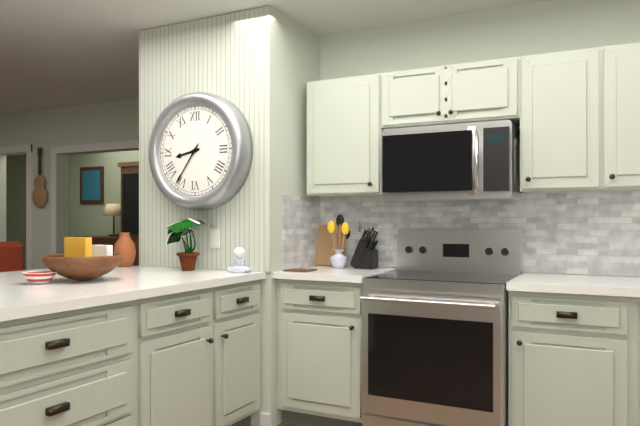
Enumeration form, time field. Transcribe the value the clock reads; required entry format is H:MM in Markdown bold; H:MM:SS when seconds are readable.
**8:36**
